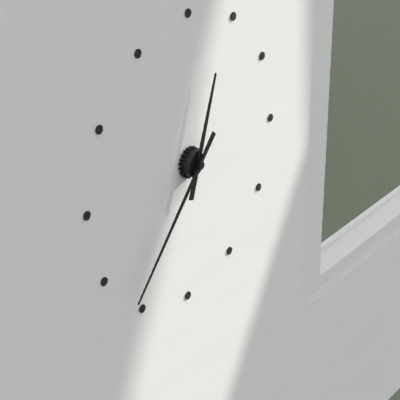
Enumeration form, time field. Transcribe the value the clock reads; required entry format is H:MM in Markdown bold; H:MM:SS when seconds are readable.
**12:37**
